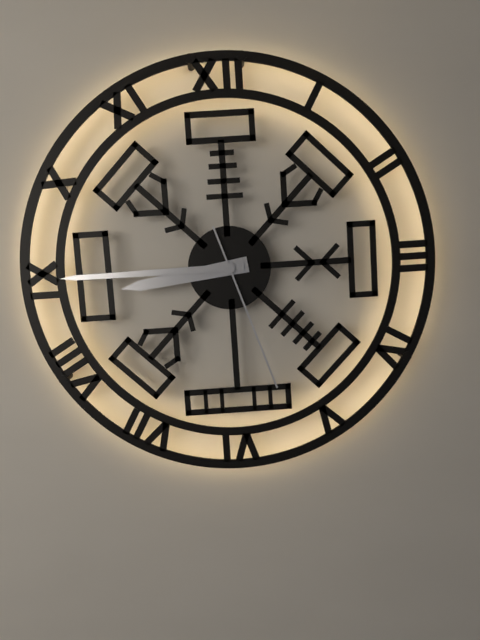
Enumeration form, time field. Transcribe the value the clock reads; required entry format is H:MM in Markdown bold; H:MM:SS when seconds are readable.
**8:45:27**
